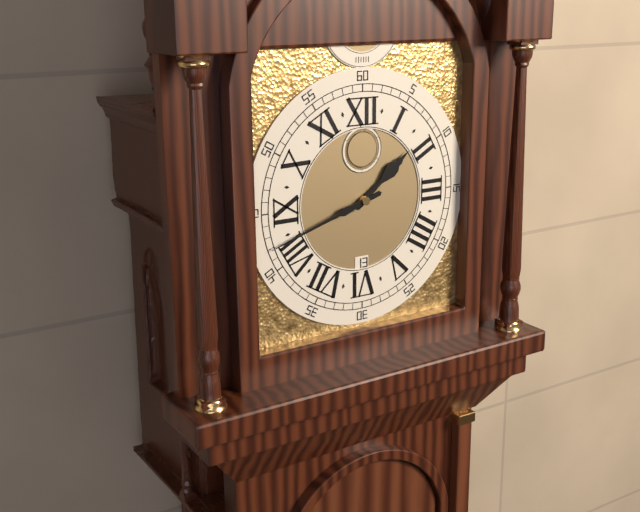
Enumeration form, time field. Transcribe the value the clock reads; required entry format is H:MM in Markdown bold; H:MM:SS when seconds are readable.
**1:42**
